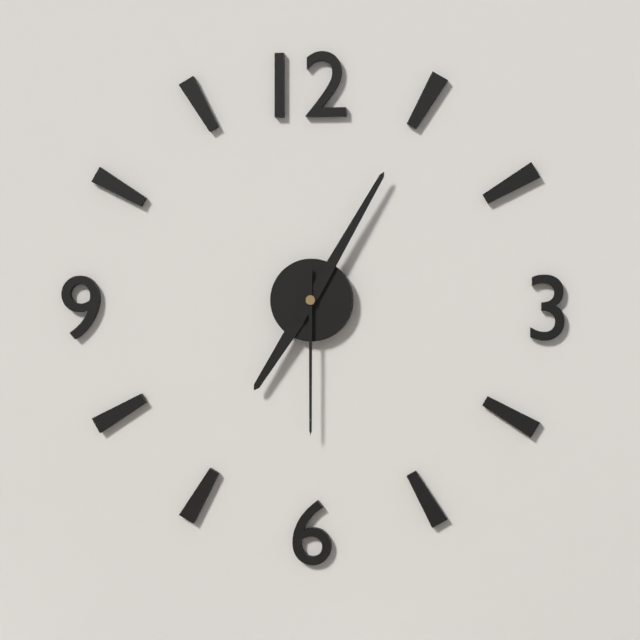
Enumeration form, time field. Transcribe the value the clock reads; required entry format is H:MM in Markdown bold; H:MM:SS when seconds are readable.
**7:05:30**
